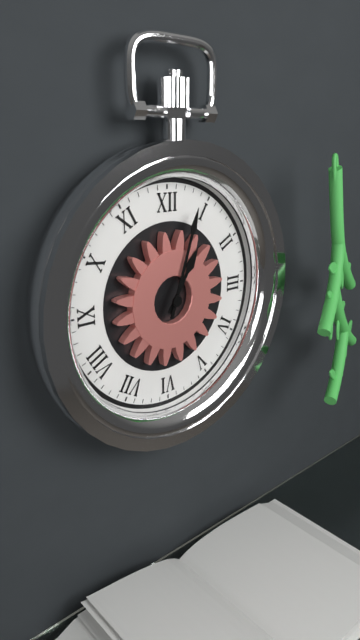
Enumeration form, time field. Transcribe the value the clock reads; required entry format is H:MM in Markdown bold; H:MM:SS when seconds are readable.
**1:03**
